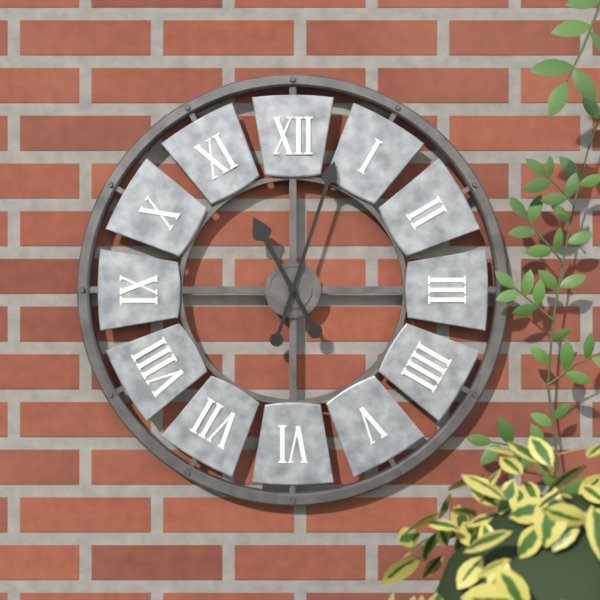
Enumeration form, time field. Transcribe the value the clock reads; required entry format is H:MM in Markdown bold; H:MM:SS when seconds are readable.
**11:03**
